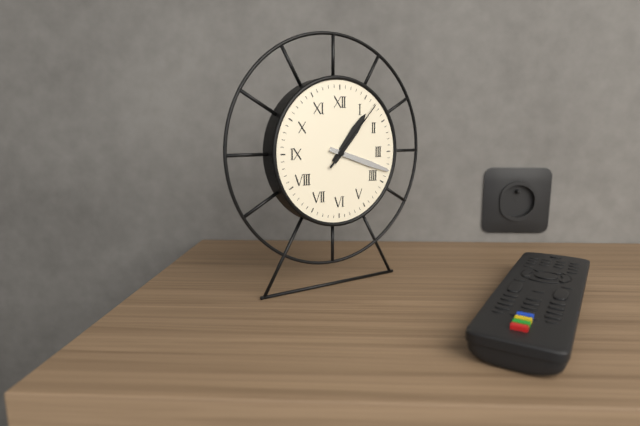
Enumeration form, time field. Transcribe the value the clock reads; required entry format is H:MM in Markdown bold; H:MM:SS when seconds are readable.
**1:18:07**
